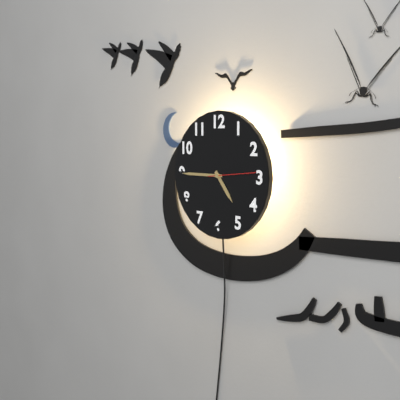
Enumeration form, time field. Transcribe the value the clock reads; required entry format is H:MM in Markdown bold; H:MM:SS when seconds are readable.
**4:45**
